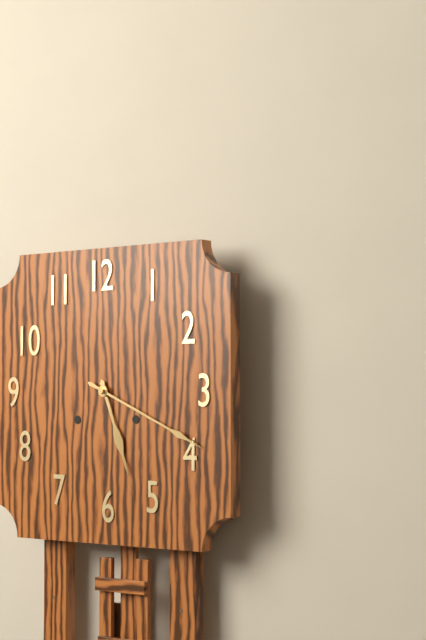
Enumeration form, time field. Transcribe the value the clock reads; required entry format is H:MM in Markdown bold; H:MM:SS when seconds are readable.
**5:19**
